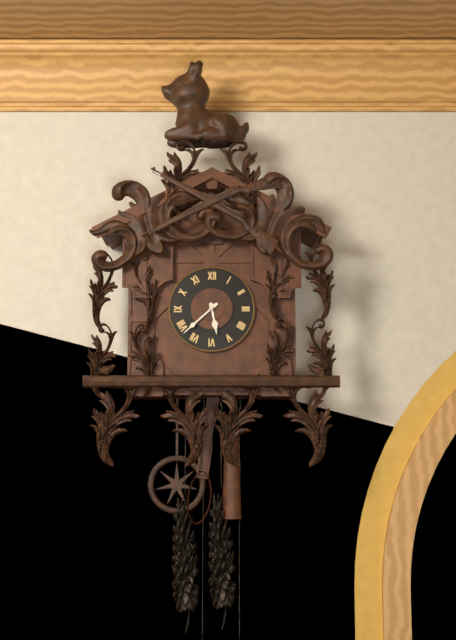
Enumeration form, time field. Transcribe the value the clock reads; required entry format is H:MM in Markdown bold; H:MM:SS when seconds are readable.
**5:38**
